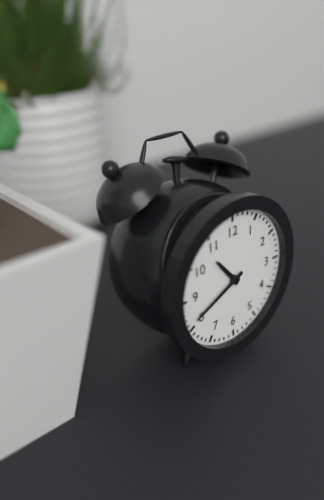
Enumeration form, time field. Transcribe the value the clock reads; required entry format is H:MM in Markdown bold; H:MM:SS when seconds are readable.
**10:41**
